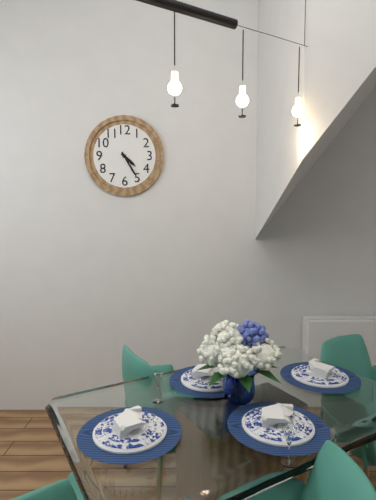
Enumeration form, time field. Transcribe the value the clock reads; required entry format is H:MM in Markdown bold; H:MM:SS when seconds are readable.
**4:25**
